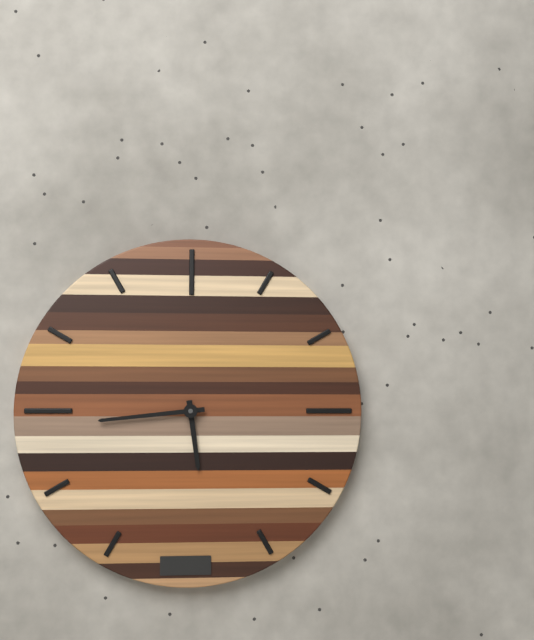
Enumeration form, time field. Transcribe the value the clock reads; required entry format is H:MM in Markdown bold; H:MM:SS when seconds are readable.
**5:44**
